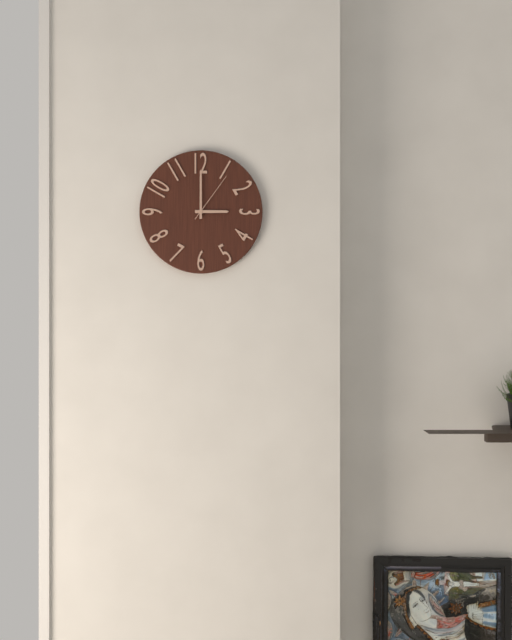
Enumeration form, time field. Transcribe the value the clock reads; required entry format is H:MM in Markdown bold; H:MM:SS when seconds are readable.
**3:00:06**
